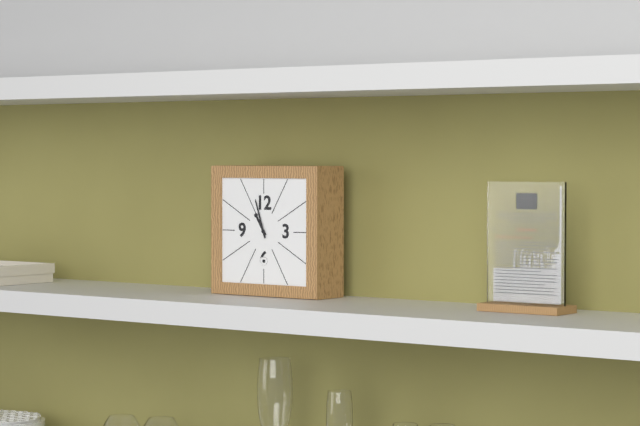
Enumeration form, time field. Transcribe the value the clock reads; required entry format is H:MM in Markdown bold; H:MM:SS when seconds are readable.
**10:57**
